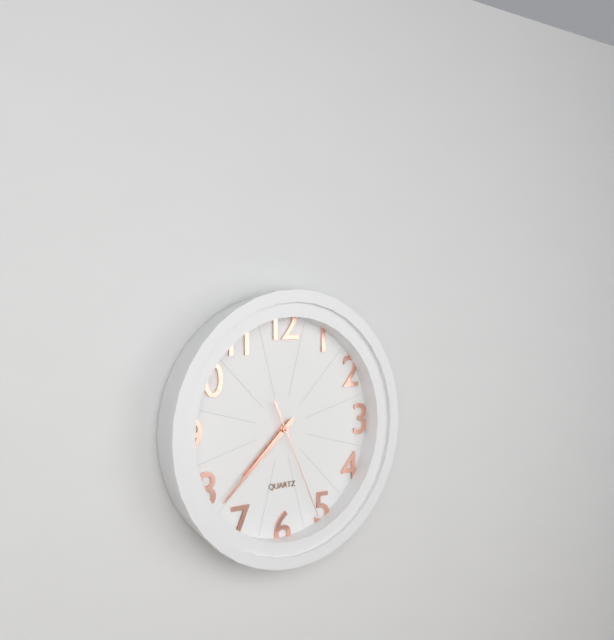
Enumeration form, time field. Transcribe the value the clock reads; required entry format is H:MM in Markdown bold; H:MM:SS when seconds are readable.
**7:38:26**
